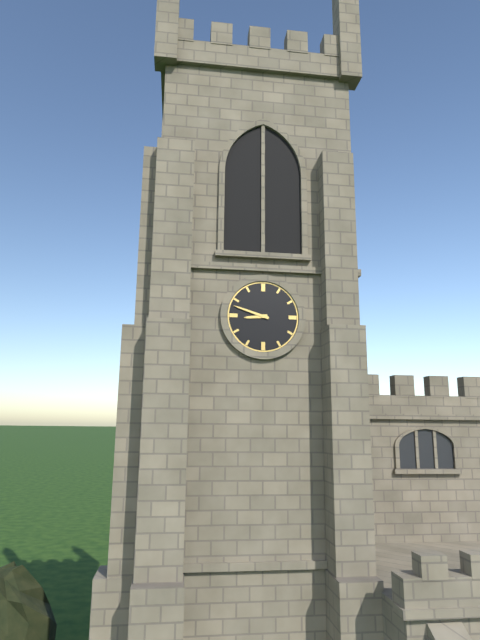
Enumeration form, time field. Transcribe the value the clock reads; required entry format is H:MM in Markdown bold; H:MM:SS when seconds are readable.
**8:48**
